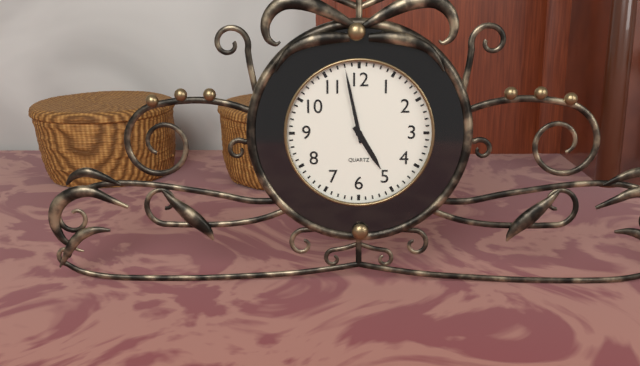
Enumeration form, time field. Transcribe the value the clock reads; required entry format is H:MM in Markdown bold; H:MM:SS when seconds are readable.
**4:58**
